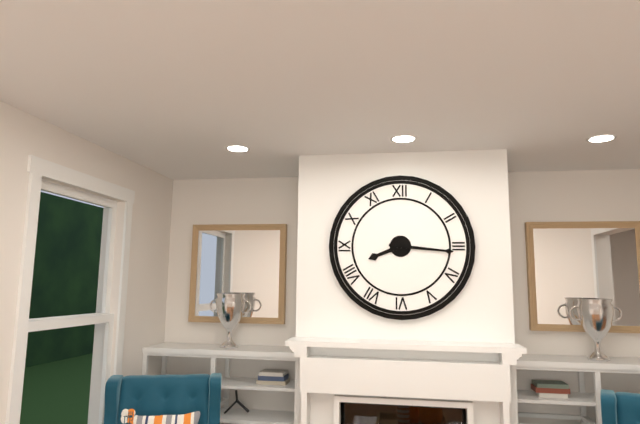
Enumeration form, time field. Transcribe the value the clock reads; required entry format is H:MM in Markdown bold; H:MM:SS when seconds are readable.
**8:16**
